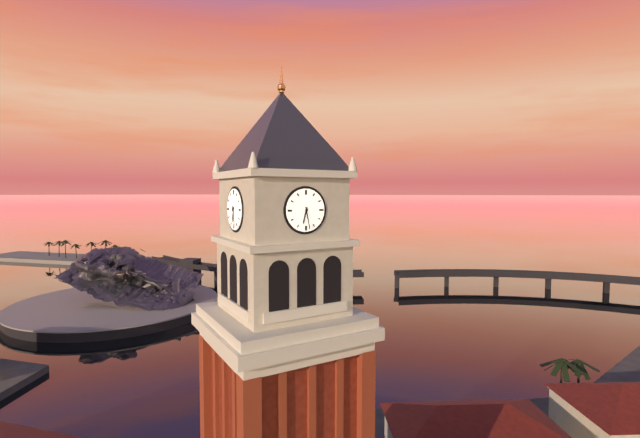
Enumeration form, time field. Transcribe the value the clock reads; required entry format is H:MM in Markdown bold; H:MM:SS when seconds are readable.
**6:28**
